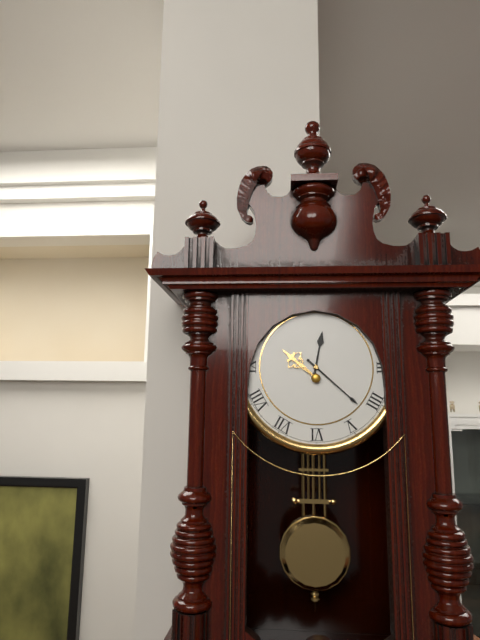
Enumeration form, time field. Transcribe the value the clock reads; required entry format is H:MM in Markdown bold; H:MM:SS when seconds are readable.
**12:22**
